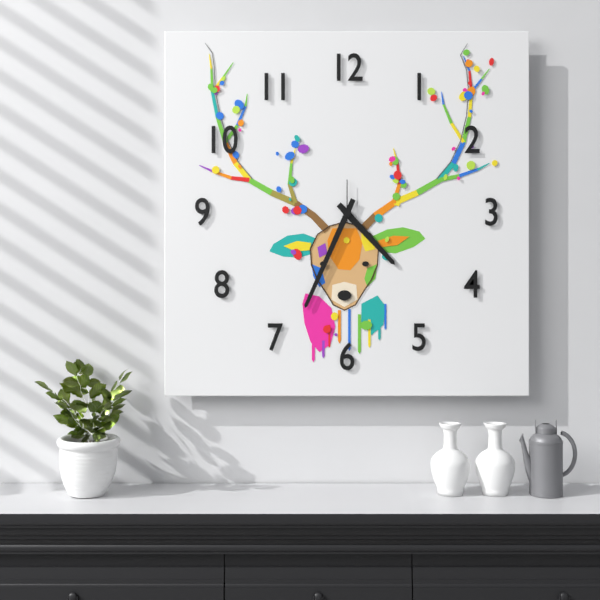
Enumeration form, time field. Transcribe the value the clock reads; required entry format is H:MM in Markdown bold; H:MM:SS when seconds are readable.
**4:34**
